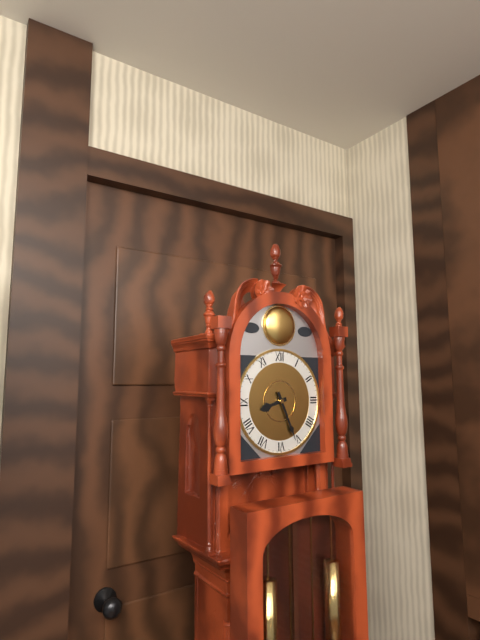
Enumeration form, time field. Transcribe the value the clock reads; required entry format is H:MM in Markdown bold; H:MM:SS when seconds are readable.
**8:26**
